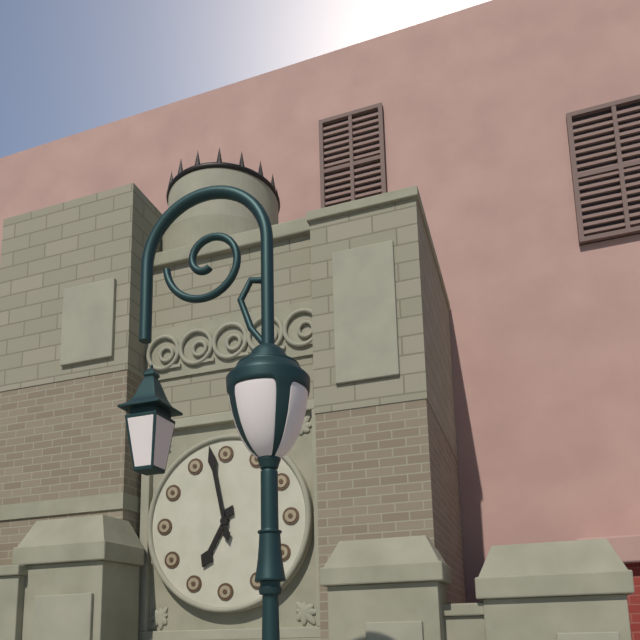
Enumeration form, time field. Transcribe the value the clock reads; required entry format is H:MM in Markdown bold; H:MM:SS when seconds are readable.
**6:58**
